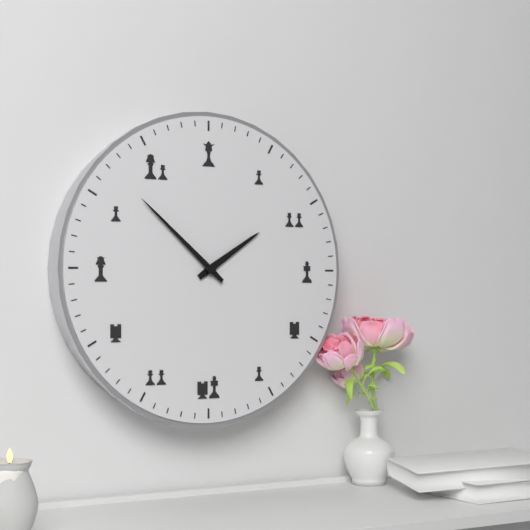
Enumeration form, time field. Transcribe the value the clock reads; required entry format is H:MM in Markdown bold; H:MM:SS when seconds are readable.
**1:52**
